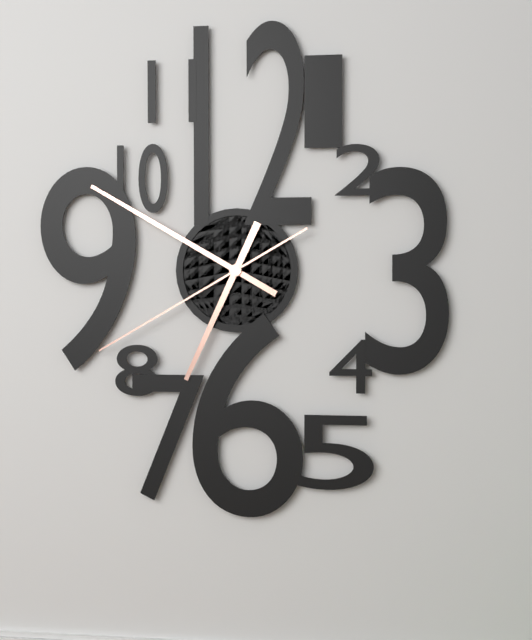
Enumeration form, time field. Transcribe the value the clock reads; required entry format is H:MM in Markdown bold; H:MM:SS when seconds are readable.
**6:50:40**
